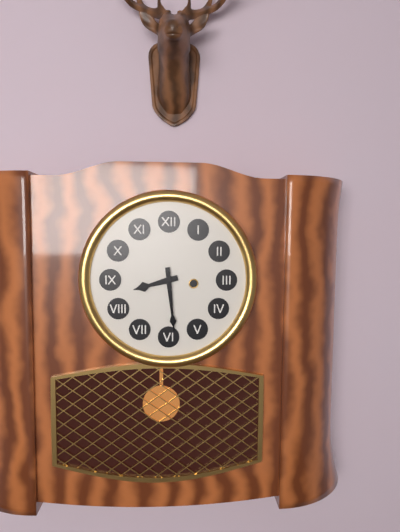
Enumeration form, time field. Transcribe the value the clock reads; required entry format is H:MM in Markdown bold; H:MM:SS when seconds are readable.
**8:29**
